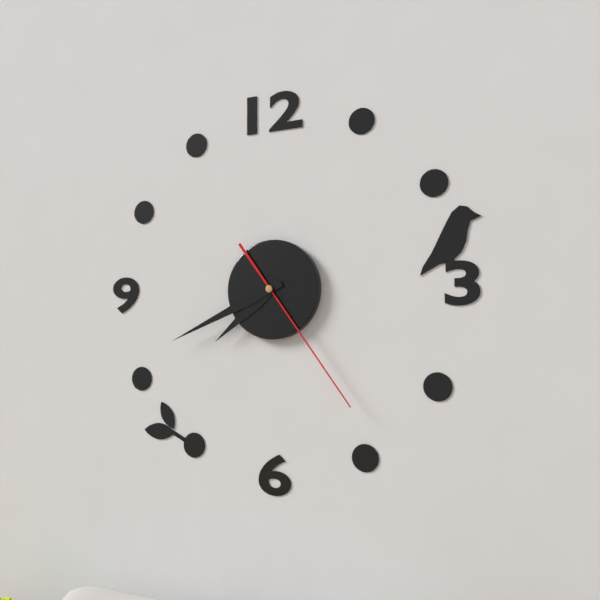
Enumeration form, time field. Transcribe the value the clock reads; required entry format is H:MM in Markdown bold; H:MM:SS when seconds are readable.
**7:41:24**
